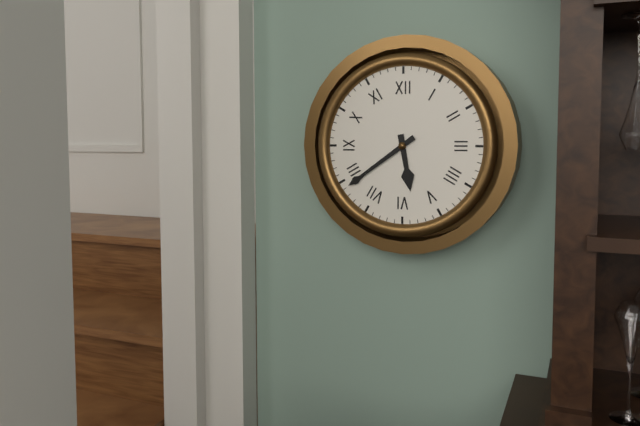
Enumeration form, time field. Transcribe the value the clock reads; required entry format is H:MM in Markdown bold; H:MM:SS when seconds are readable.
**5:39**
